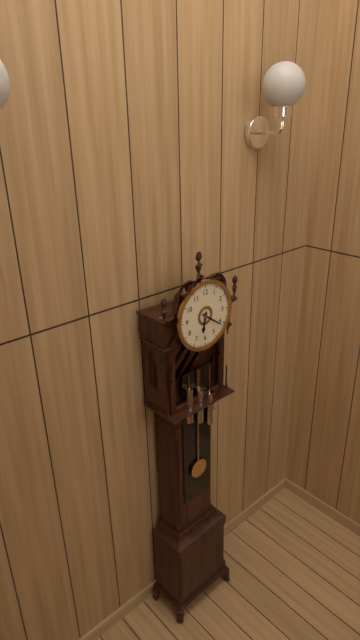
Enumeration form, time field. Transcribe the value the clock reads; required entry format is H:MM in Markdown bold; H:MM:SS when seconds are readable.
**6:21**
